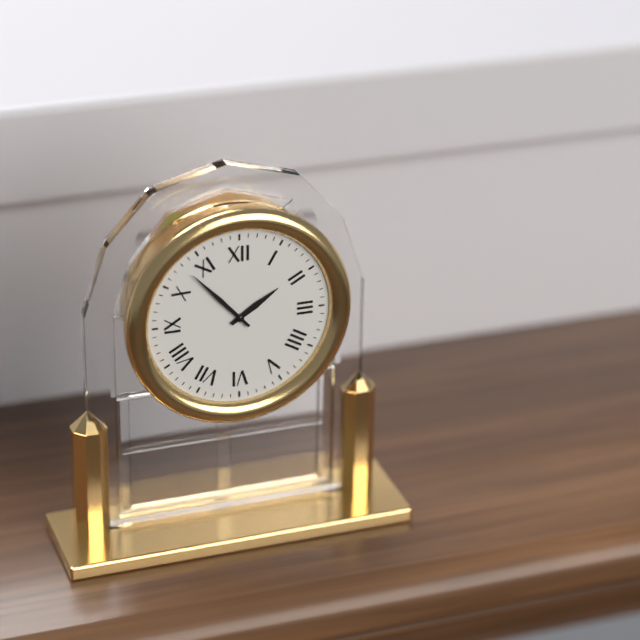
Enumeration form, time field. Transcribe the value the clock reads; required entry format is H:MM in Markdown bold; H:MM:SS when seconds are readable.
**1:53**
